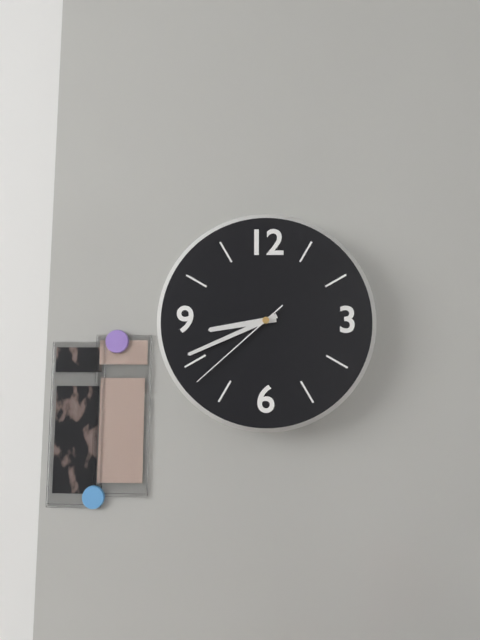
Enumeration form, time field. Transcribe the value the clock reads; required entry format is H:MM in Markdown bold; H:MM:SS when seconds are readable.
**8:41:38**
